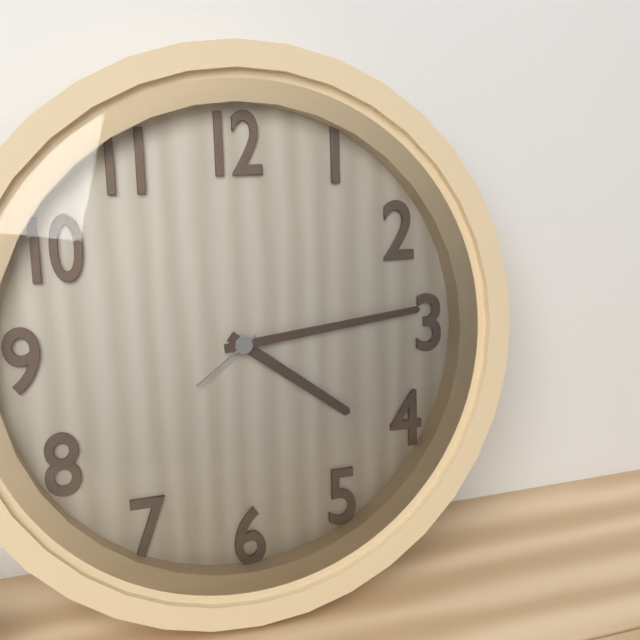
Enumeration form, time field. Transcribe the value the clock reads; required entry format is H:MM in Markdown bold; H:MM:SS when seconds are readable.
**4:14:39**
